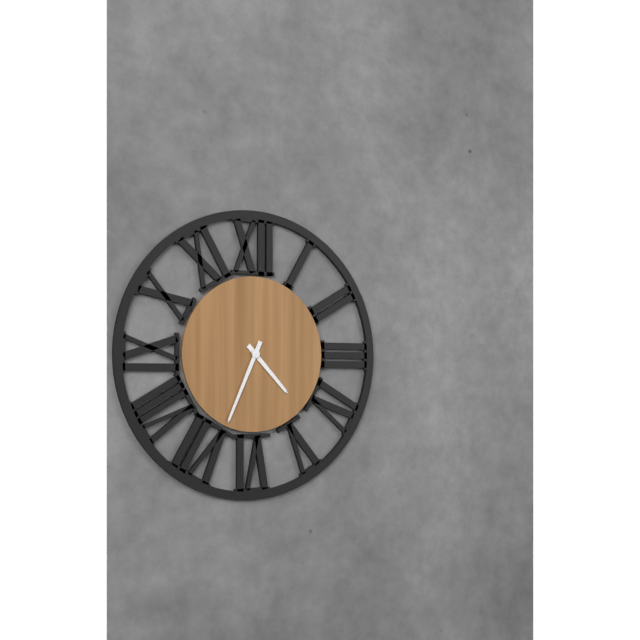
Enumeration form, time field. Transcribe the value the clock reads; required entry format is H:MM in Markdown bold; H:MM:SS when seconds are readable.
**4:34**
